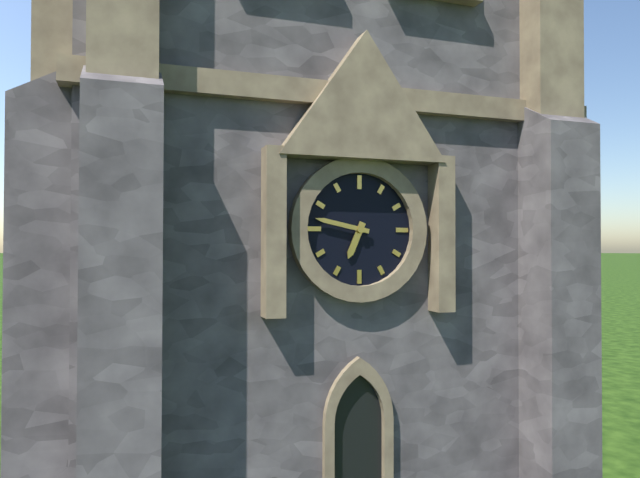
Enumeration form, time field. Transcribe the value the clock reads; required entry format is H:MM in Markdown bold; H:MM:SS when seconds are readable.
**6:47**
